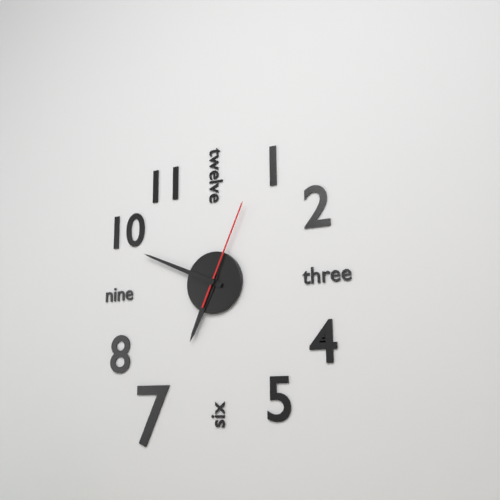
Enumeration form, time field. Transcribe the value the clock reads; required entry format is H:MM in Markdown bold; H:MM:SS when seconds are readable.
**6:49:04**
